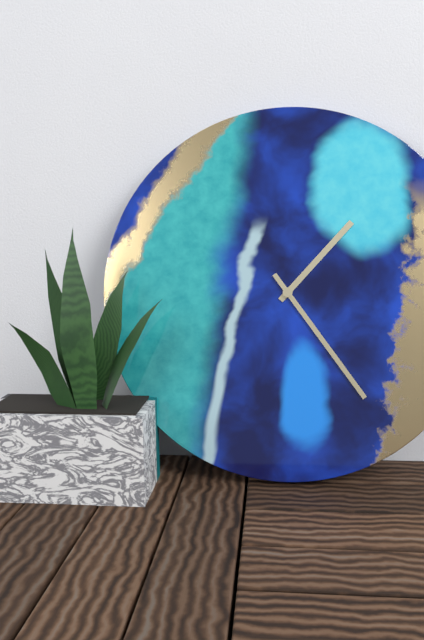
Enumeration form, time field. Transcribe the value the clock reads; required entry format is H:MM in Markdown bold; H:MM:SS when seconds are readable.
**1:24**
